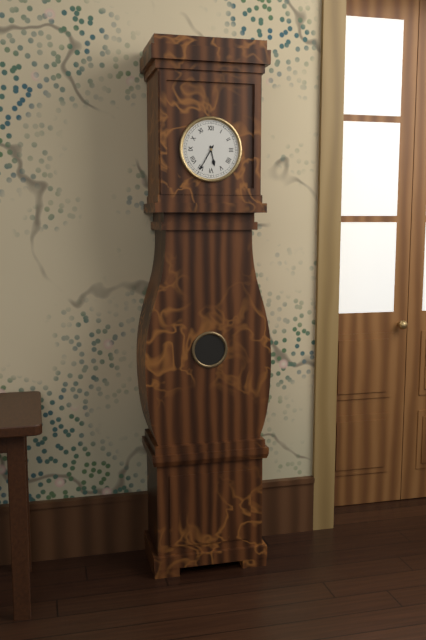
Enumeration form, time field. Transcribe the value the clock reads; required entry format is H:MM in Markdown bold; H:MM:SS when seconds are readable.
**5:35**
